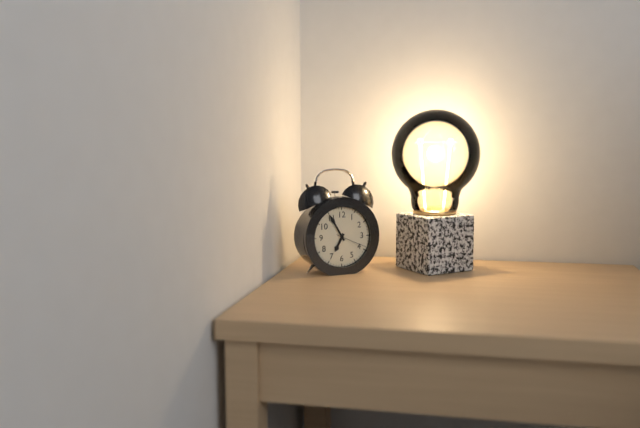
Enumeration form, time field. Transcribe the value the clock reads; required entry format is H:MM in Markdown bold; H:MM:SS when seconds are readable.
**6:55**
